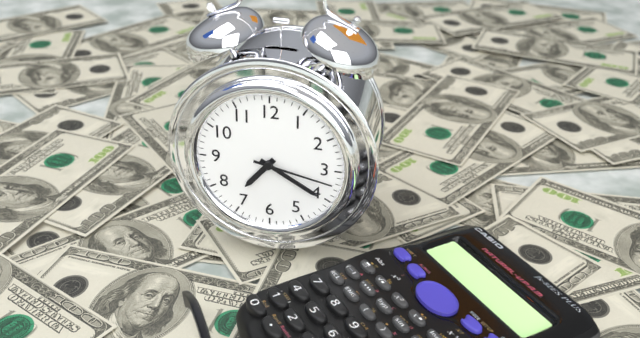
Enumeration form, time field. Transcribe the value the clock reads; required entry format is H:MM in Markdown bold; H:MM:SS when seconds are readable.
**7:20:17**
